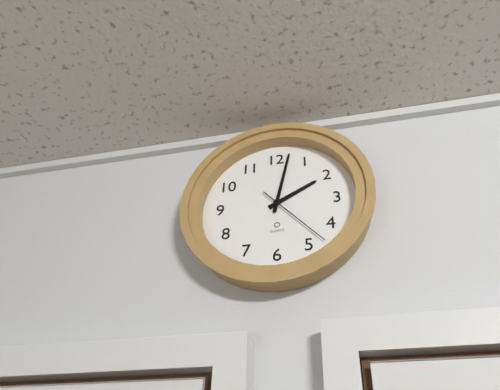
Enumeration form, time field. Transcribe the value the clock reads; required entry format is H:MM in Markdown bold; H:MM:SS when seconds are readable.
**2:02:23**
